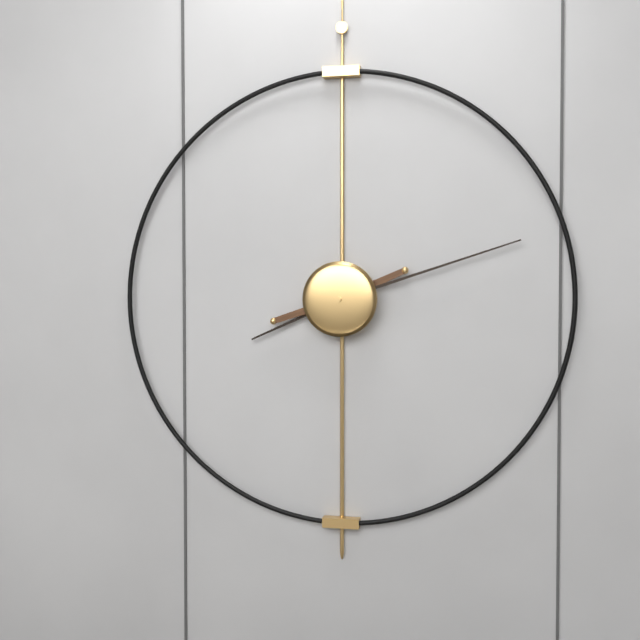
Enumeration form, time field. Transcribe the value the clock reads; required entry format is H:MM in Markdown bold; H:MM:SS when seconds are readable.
**8:12**
